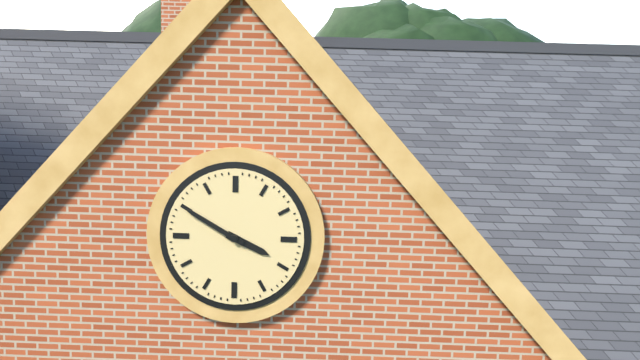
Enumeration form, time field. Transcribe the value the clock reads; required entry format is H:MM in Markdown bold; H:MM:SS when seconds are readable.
**3:50**
